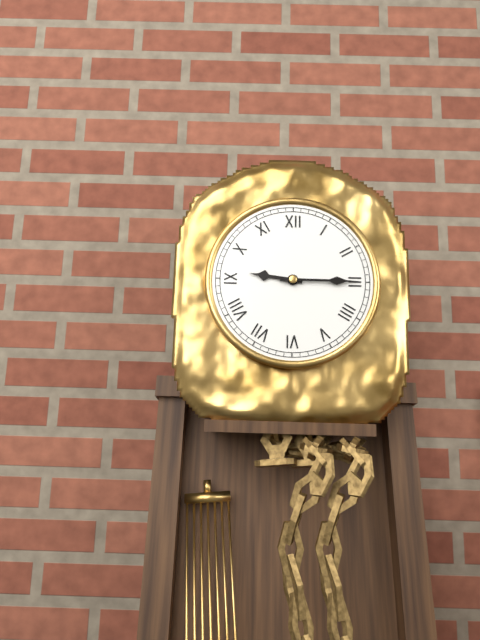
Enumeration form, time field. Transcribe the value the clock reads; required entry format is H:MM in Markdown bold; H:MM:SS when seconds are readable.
**9:15**
